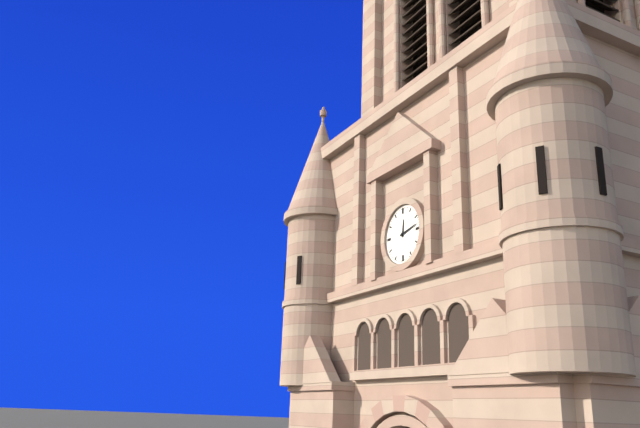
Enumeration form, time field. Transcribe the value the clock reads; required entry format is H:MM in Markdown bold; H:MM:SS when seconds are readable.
**12:13**
